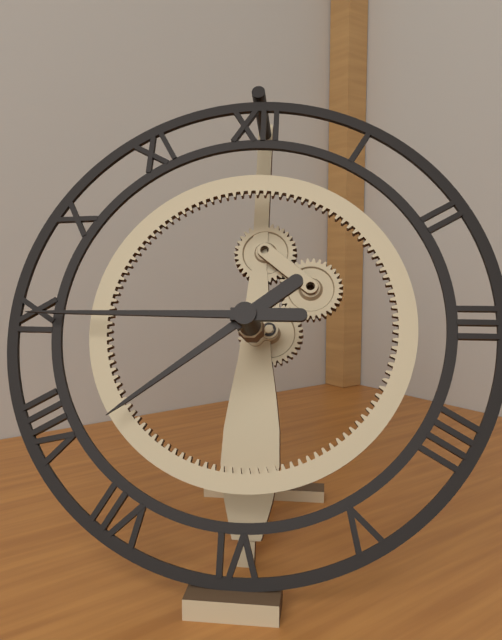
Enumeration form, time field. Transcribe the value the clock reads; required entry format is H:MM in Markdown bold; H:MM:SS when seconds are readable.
**7:45**
